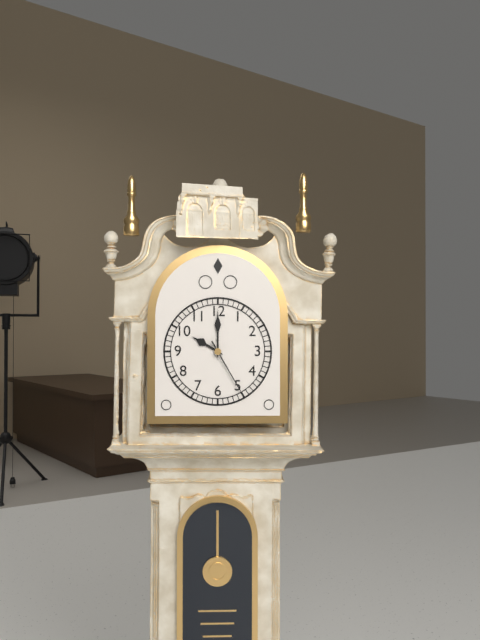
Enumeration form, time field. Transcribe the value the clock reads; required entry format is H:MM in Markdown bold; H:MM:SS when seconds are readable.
**10:00:25**
